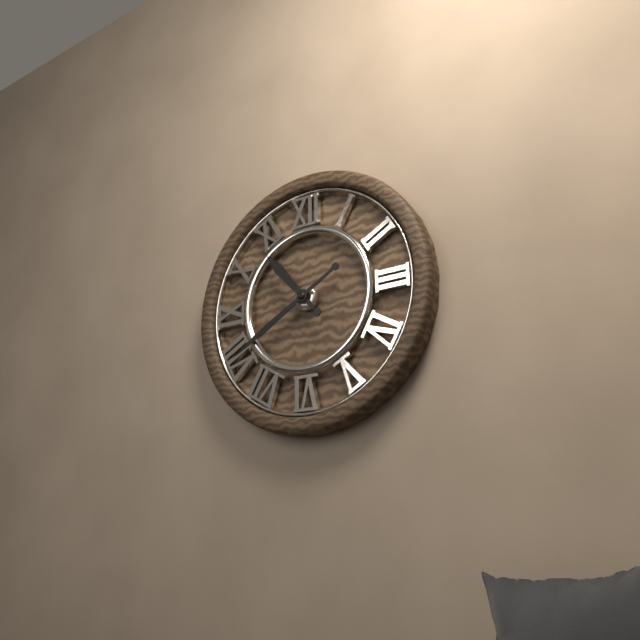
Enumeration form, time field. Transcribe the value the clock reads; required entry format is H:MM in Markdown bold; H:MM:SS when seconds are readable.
**10:40**
